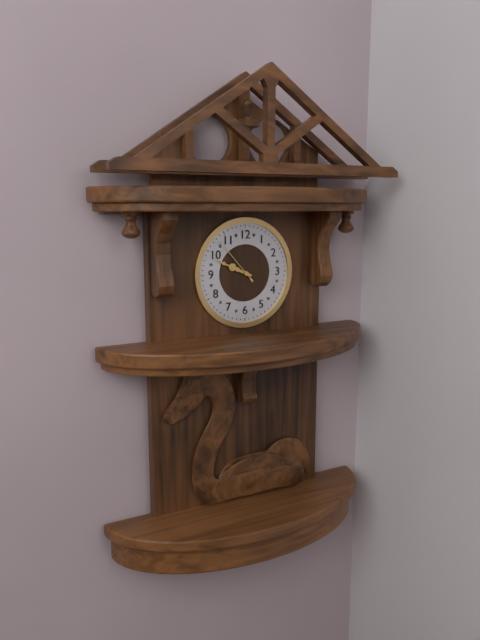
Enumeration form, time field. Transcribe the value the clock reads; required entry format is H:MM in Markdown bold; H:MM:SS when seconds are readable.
**9:49**
